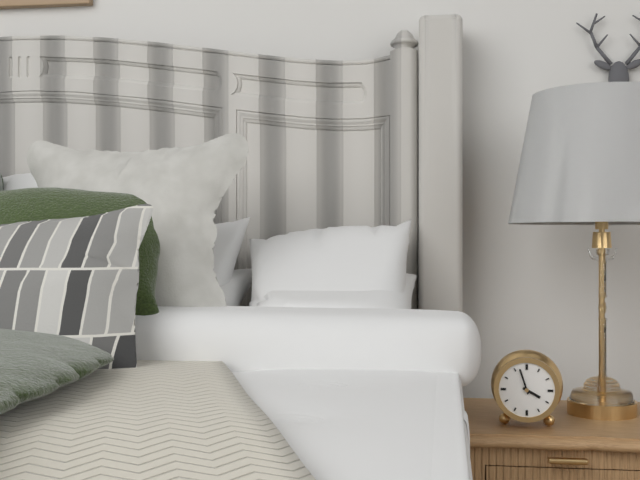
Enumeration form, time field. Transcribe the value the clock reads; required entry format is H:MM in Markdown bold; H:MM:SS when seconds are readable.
**3:57**
